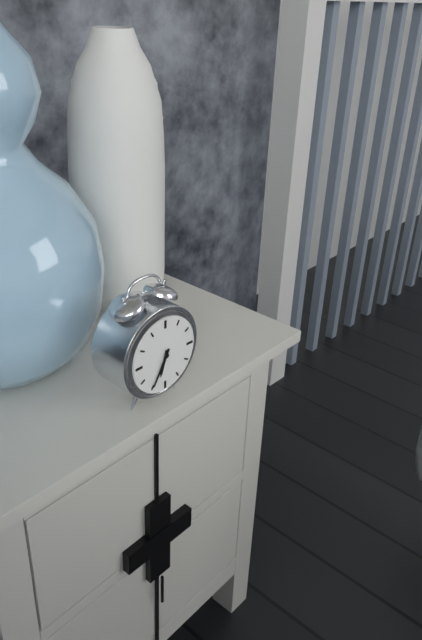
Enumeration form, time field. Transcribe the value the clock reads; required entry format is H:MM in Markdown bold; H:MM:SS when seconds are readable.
**6:35**
